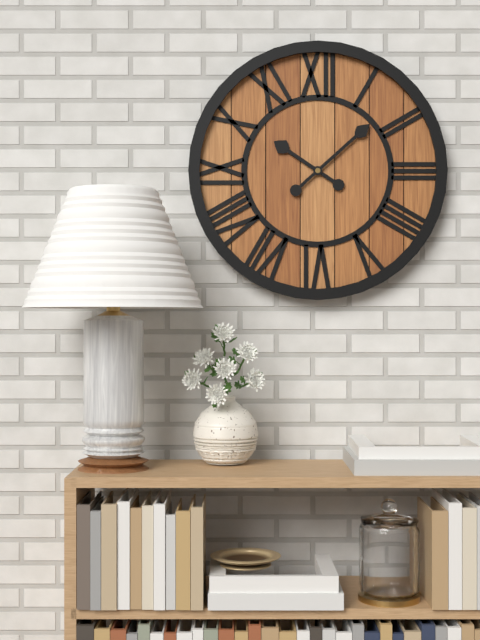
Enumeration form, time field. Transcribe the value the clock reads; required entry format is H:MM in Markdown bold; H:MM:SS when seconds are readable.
**10:08**
